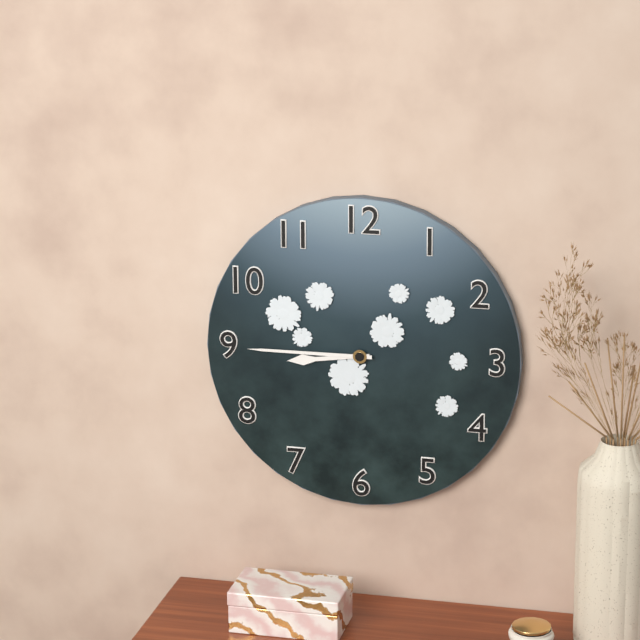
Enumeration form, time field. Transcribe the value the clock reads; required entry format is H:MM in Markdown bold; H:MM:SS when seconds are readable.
**8:45**
